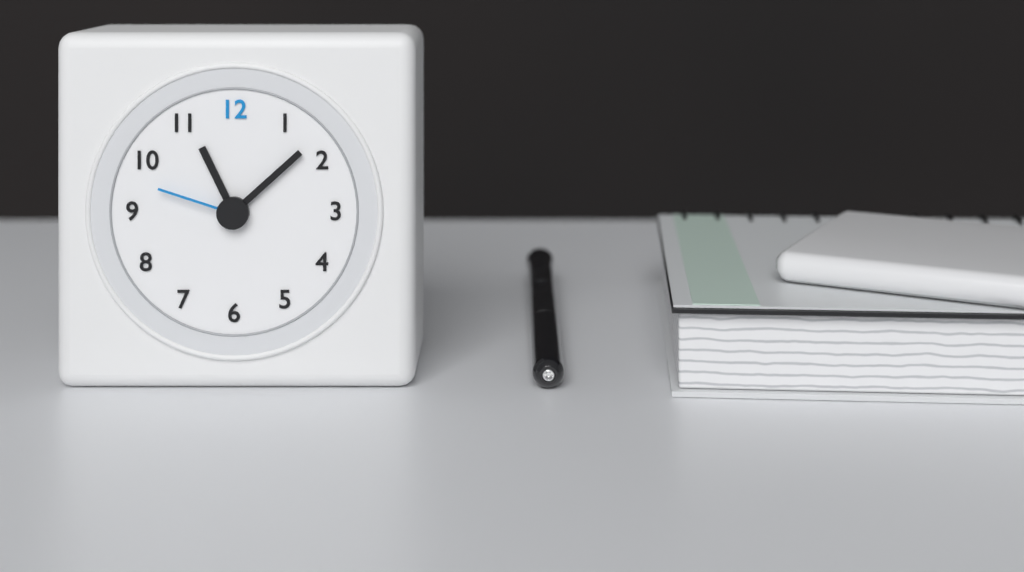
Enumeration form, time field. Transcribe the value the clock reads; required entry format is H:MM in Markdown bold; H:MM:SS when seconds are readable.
**11:08:48**
